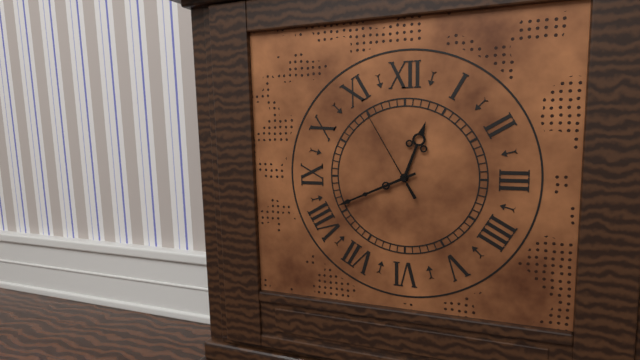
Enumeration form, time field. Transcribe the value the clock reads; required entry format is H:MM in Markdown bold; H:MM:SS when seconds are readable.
**12:41:55**
